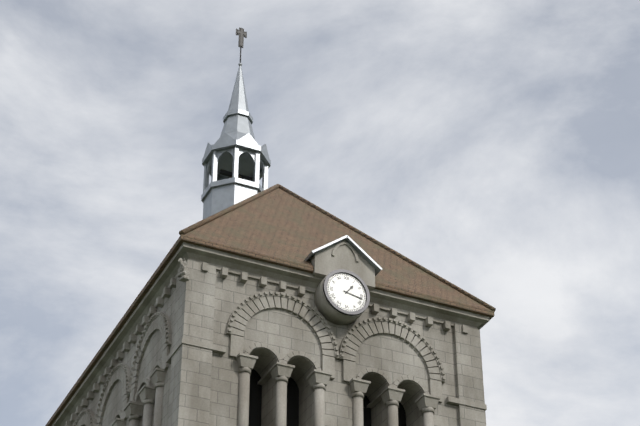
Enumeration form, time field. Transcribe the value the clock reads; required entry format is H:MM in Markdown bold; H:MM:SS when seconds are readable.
**1:17**
